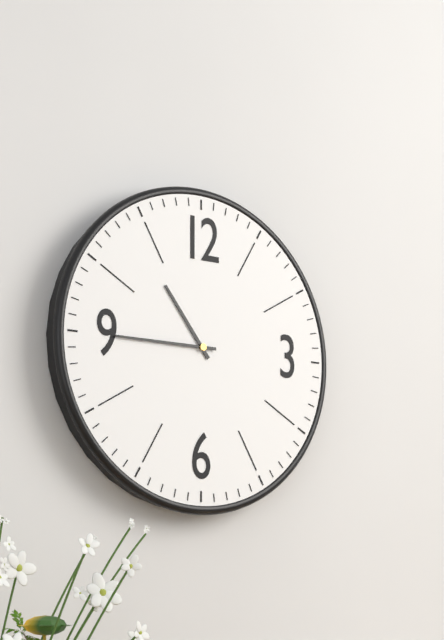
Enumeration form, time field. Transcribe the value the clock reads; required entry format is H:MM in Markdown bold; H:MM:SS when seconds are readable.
**10:45**
